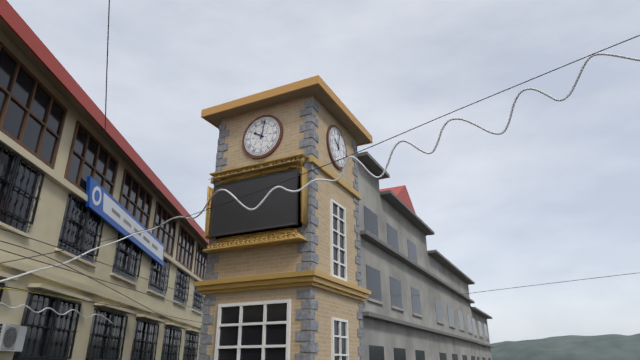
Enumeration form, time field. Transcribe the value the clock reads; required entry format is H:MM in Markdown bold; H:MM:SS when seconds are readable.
**10:02**
